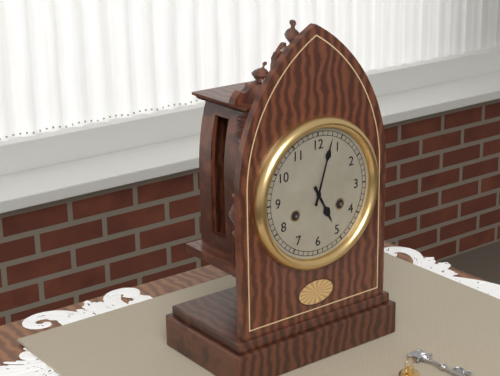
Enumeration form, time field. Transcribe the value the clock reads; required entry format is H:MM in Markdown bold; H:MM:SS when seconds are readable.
**5:03**
